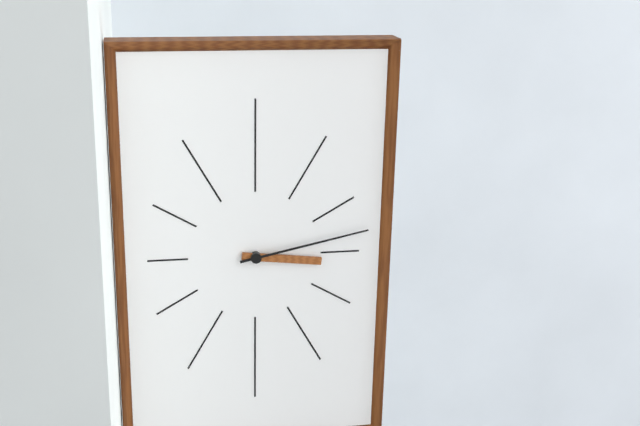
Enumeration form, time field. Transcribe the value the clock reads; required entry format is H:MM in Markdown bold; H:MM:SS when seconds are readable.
**3:13**
